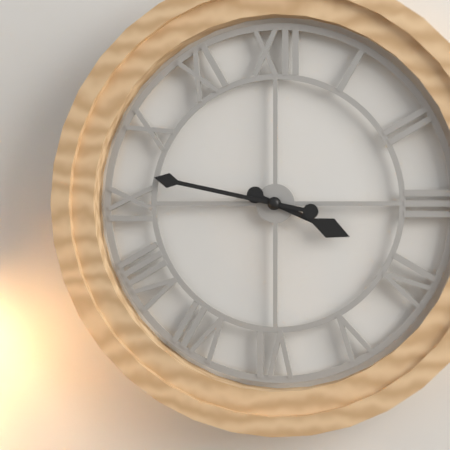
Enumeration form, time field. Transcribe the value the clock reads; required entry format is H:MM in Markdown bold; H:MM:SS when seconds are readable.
**3:47**
